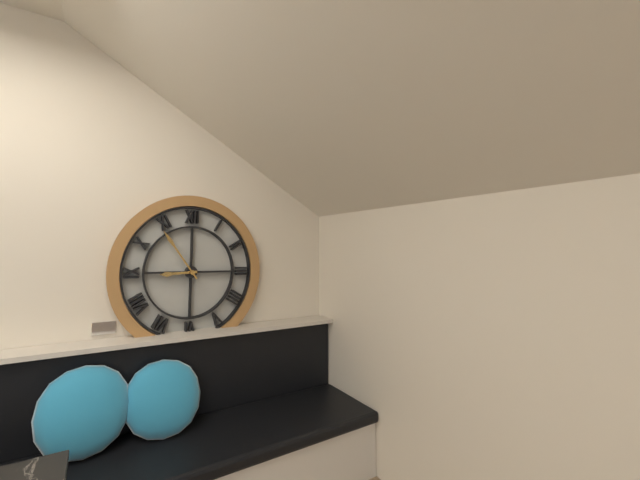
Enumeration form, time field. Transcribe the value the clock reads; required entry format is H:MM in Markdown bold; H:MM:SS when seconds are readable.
**8:54**
